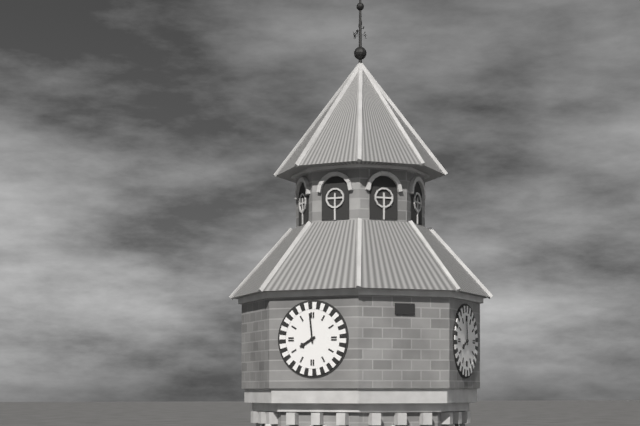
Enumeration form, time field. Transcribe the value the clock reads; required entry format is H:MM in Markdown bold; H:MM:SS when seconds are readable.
**7:59**
